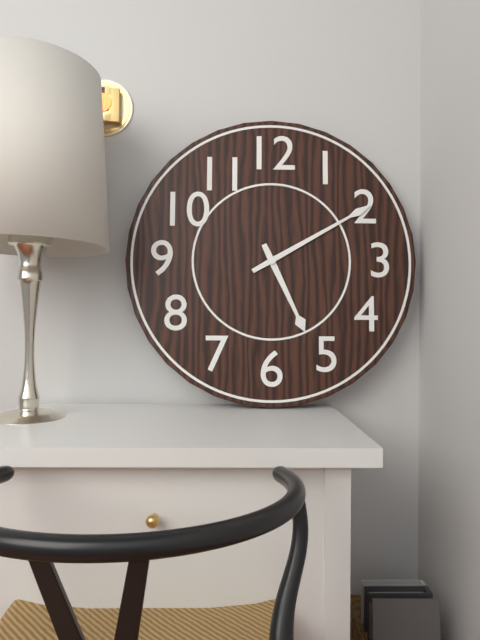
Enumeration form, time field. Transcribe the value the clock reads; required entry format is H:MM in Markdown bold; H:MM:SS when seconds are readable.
**5:10**
